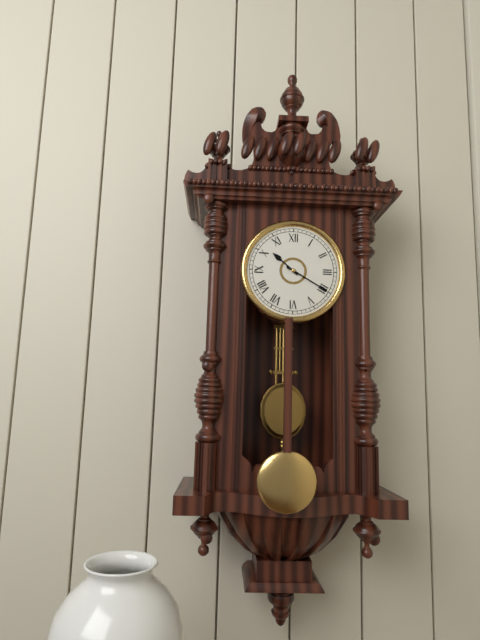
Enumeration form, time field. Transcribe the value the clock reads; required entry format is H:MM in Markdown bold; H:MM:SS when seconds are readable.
**10:20**
